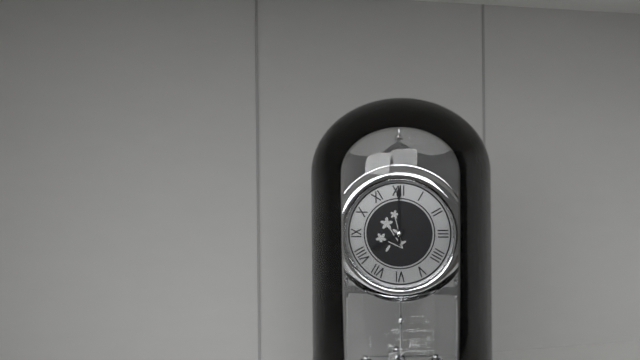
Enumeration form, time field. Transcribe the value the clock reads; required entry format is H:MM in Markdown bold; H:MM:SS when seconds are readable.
**8:00**
